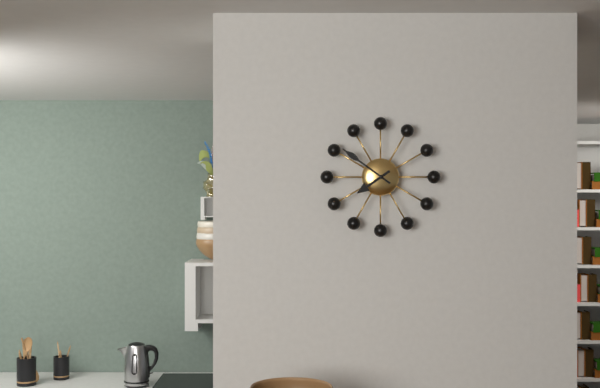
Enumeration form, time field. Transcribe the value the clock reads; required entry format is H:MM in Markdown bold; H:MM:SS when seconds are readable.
**7:51**
